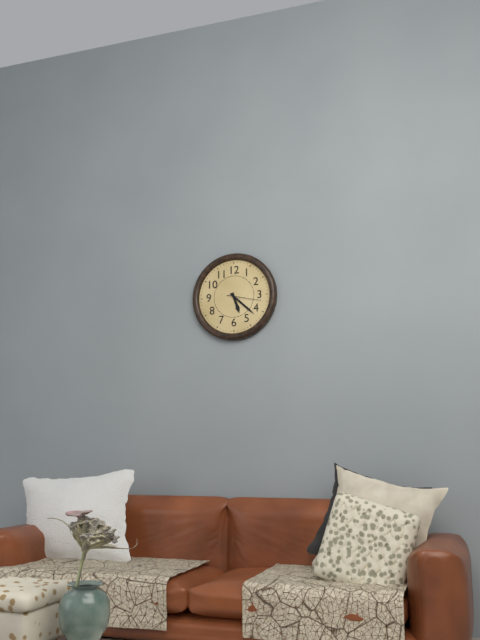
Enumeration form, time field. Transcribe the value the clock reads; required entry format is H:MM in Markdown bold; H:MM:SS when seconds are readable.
**5:22**
